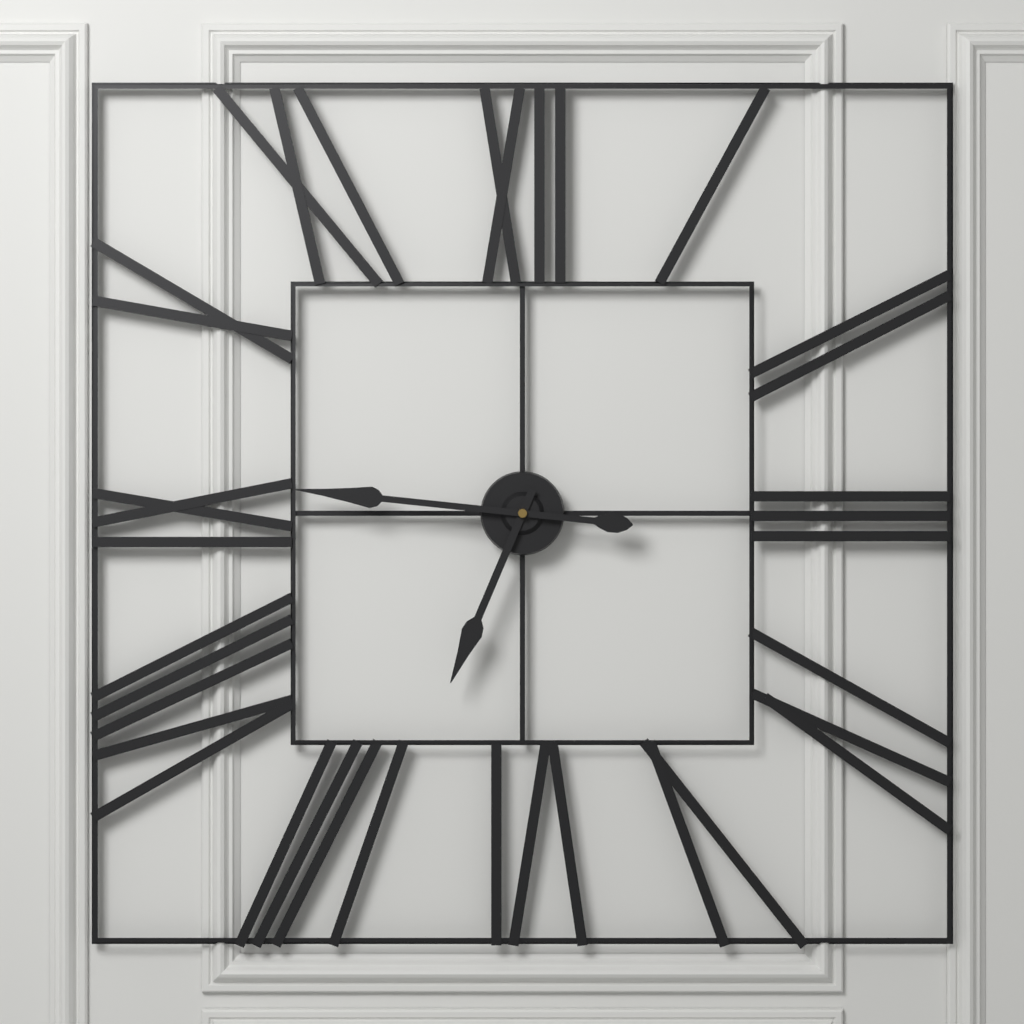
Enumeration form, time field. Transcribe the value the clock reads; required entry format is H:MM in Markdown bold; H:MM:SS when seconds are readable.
**6:46**
